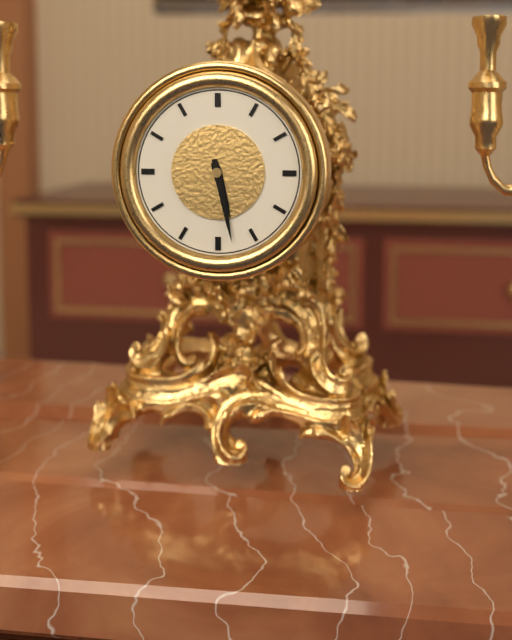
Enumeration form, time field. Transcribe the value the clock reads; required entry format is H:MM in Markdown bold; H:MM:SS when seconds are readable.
**5:28**
